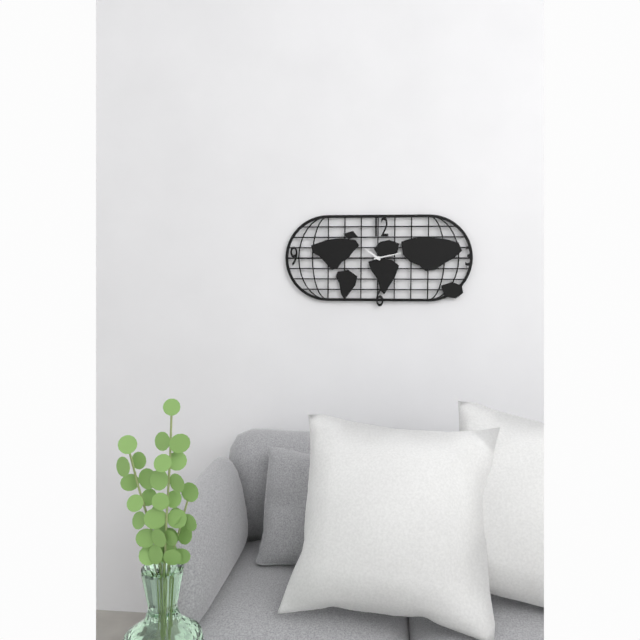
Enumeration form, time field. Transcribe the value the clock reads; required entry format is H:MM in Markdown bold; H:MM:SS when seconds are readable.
**10:13**
